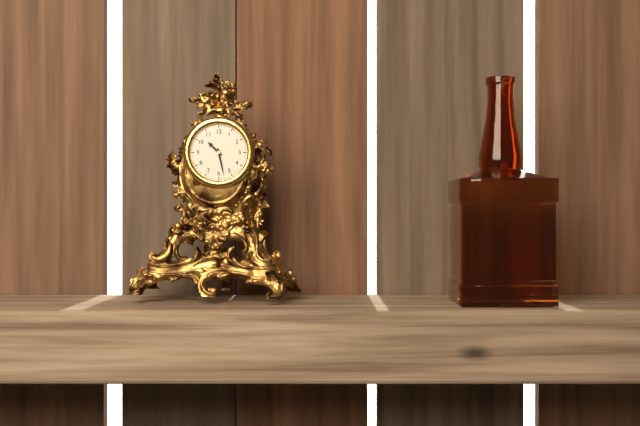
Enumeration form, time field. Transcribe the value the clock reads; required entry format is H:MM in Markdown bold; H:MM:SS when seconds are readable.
**10:28**
